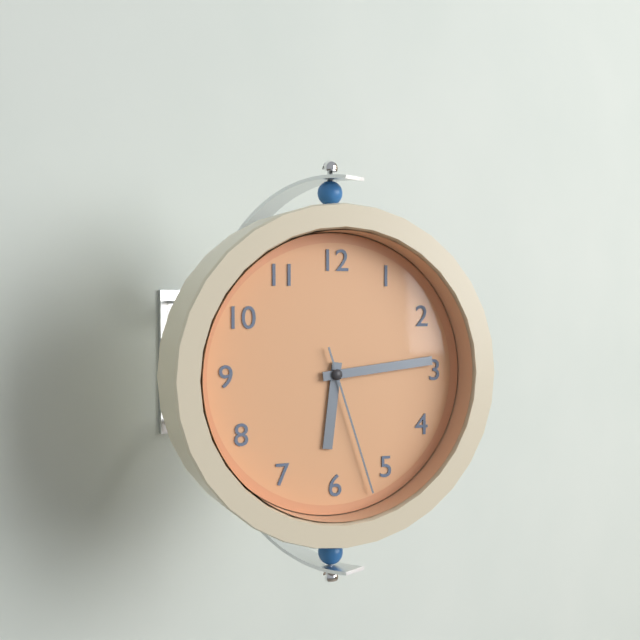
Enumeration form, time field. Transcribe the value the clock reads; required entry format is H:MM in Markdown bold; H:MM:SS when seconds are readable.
**6:14:27**
